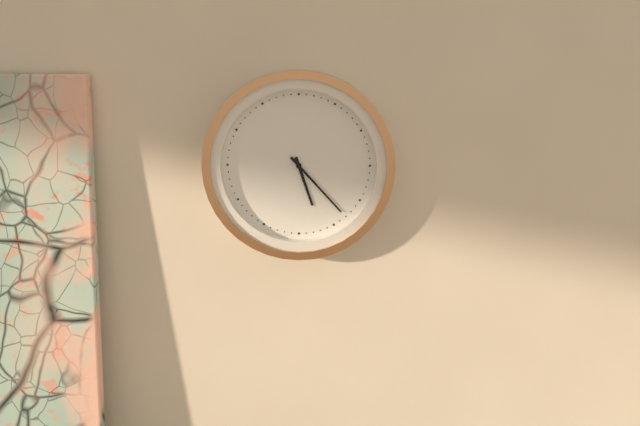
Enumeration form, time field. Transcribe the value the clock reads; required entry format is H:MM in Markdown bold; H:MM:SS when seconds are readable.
**5:23**
